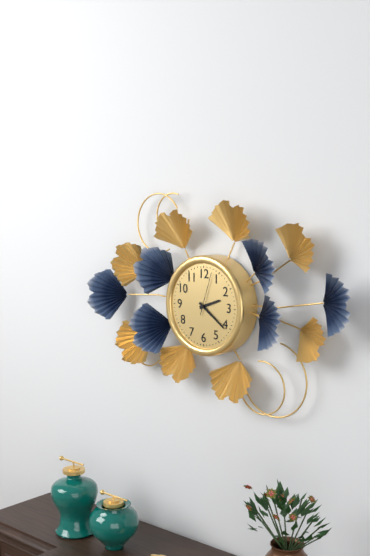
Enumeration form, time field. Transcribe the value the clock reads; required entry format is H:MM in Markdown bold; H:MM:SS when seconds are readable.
**2:21**
